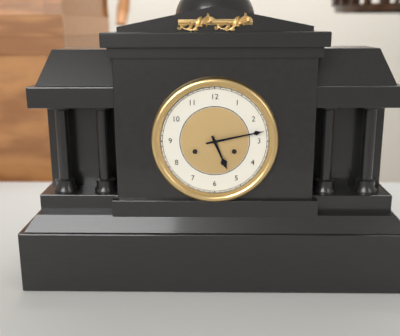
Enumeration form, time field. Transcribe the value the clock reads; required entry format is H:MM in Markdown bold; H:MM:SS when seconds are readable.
**5:13**
